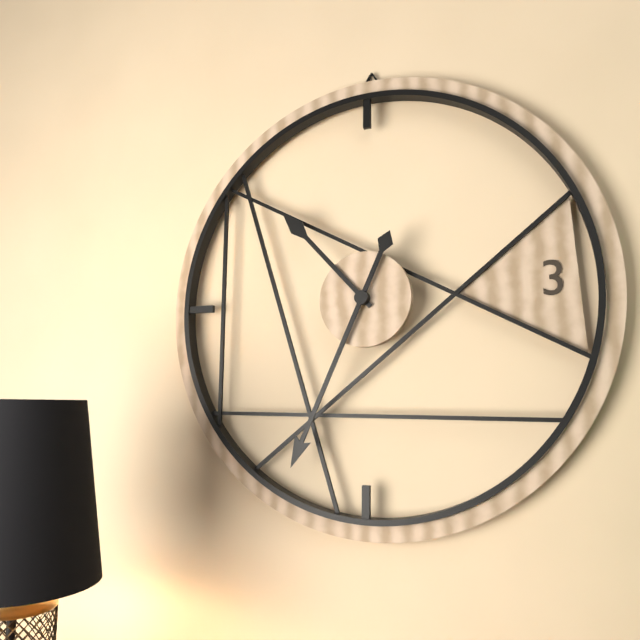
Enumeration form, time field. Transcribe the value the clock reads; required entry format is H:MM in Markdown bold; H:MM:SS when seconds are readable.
**10:34**
